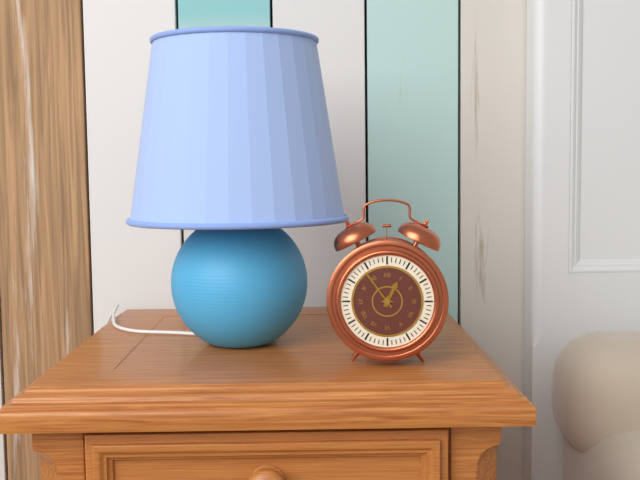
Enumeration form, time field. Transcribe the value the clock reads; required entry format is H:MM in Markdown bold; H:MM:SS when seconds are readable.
**12:54**
